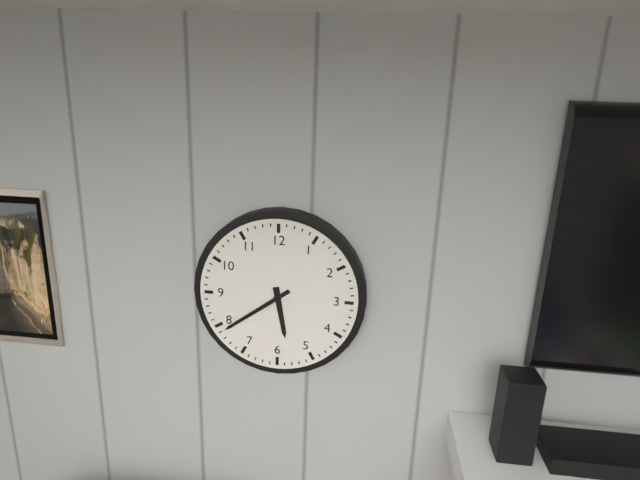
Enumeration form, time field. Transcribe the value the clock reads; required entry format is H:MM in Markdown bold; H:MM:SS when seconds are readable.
**5:39**
